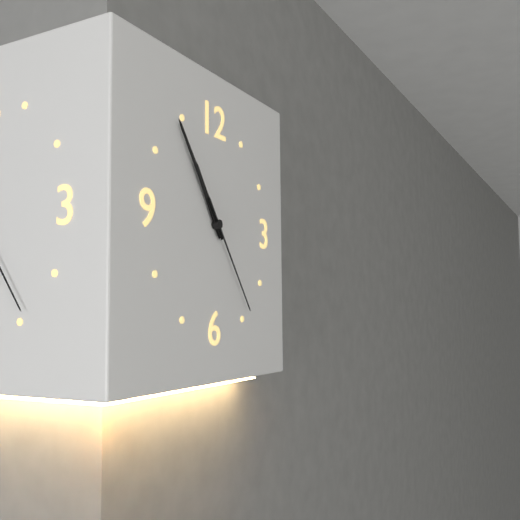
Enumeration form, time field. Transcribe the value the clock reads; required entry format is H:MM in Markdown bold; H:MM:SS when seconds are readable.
**10:54:24**
